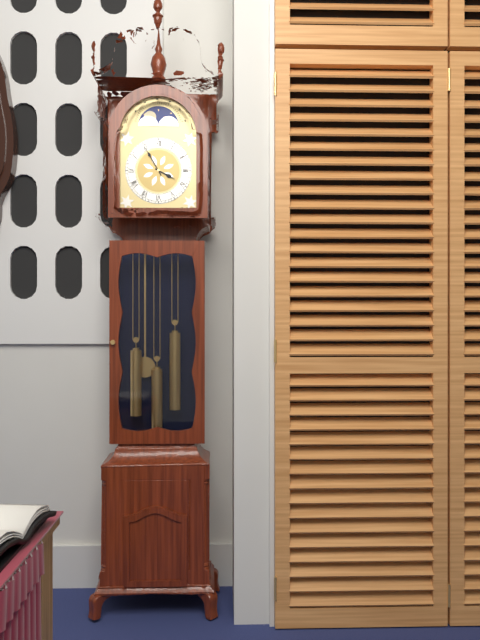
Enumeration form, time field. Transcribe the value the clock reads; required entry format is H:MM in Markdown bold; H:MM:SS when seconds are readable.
**3:55**
